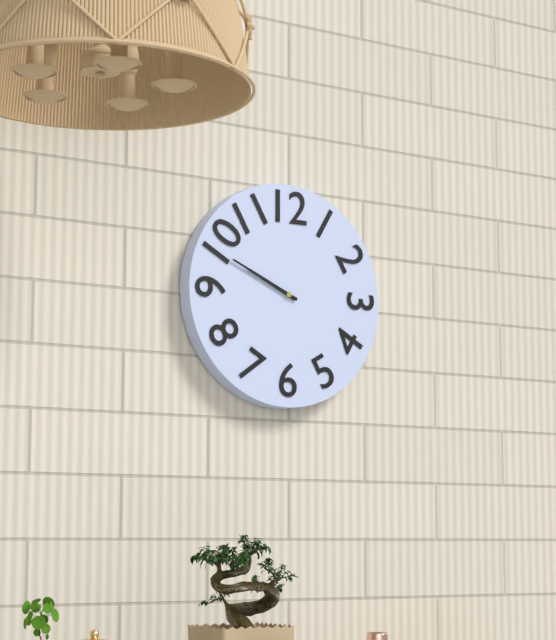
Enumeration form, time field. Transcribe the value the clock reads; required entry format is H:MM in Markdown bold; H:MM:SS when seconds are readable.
**9:49**
